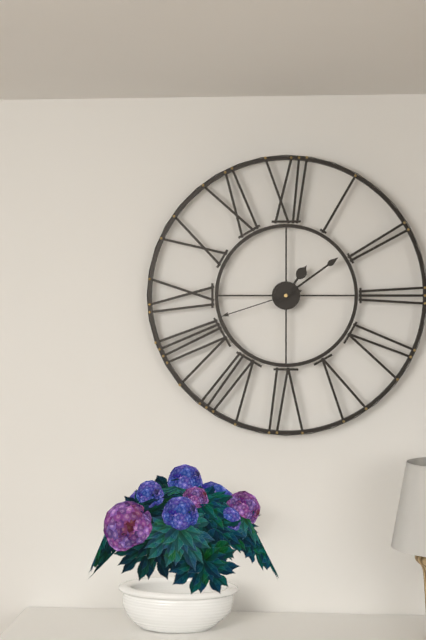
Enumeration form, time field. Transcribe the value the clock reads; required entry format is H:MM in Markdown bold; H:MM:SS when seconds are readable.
**1:09:42**
